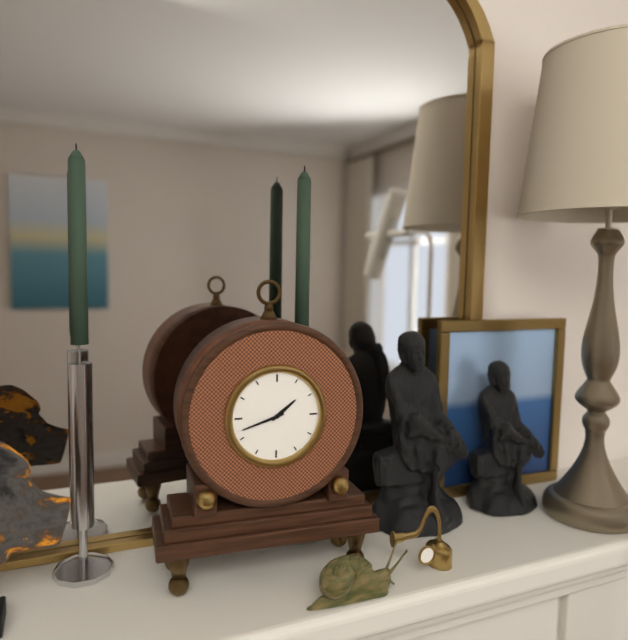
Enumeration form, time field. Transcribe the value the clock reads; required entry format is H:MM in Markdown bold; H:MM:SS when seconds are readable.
**1:42**
